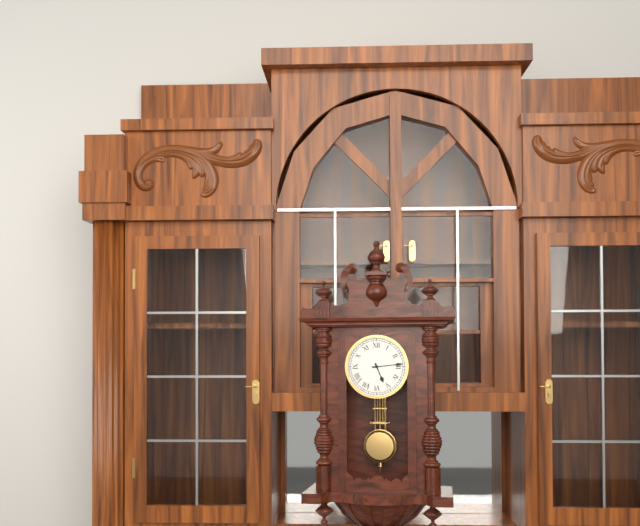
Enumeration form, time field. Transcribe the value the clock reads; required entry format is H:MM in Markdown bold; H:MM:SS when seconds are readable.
**5:14**
